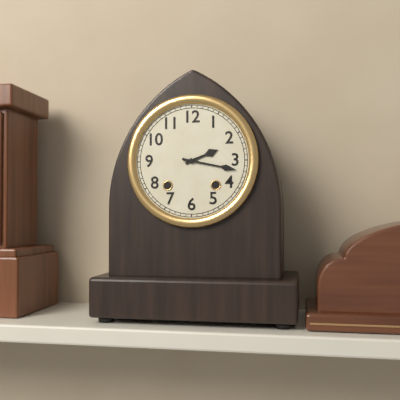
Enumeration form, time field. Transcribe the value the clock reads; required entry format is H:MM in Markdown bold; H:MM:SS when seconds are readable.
**2:17**
